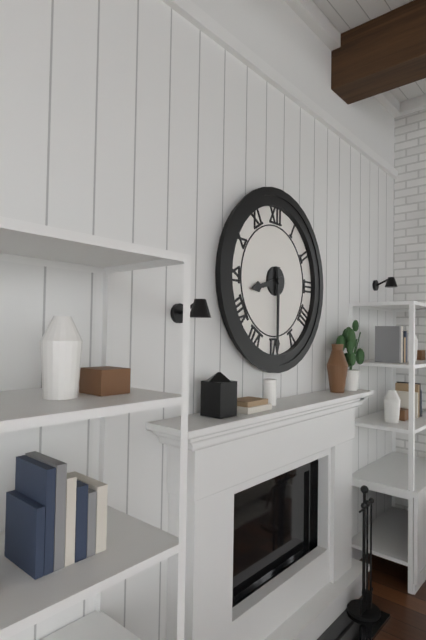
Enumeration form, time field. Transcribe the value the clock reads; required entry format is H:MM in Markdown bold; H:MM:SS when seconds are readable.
**8:30**
